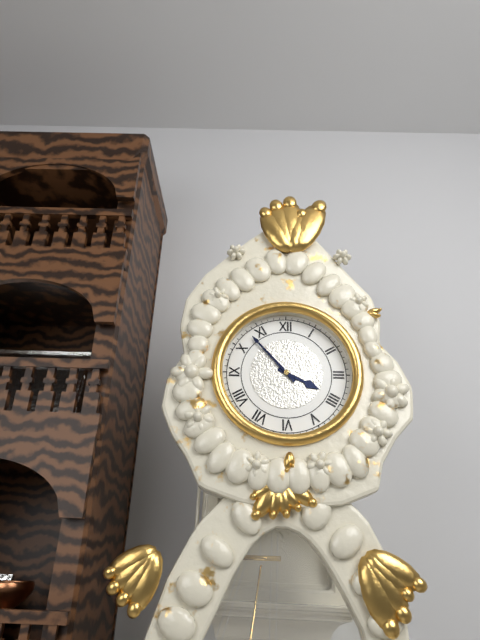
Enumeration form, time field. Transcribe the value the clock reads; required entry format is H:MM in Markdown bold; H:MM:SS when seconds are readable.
**3:53**
